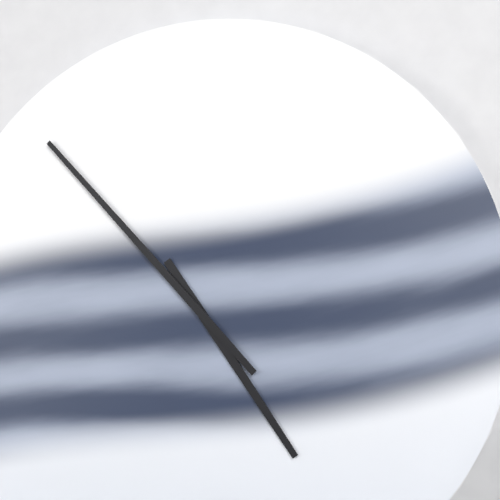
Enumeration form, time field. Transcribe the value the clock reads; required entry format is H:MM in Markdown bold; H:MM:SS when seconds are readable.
**4:53**
